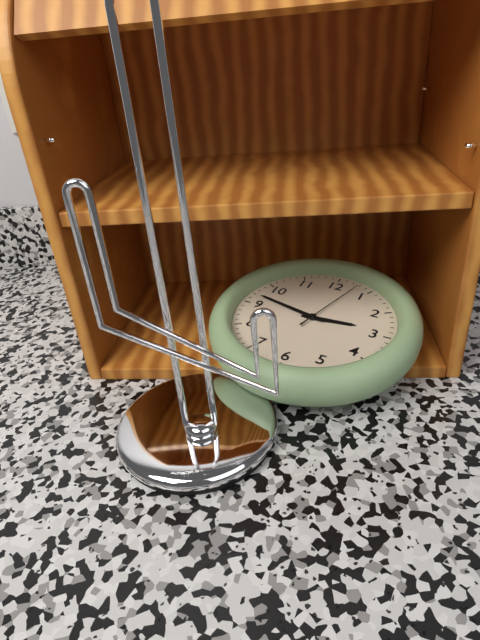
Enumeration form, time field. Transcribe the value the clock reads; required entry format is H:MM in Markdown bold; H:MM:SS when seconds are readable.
**2:47:03**
